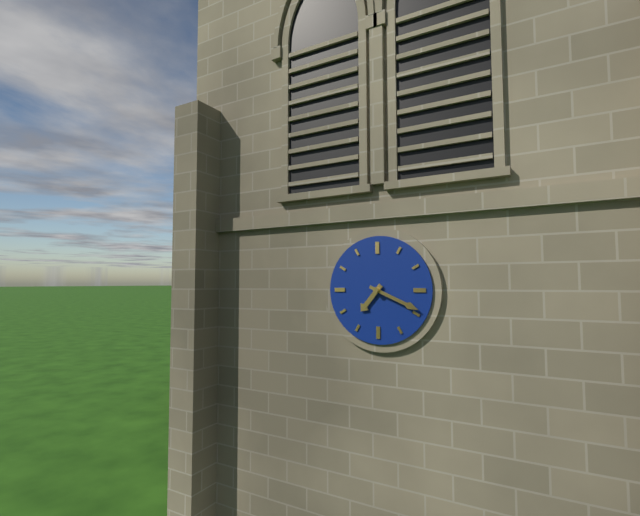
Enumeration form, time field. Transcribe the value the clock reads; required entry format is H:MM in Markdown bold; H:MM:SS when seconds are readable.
**7:19**
